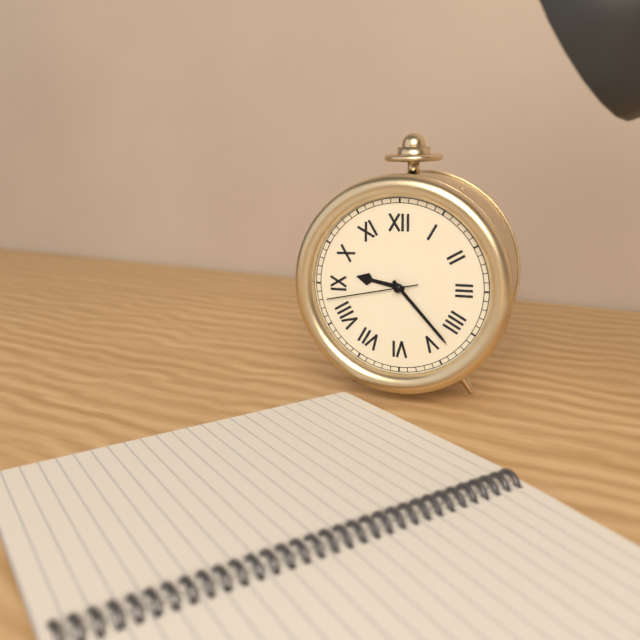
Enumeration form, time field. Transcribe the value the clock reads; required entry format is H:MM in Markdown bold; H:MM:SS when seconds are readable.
**9:23:43**
